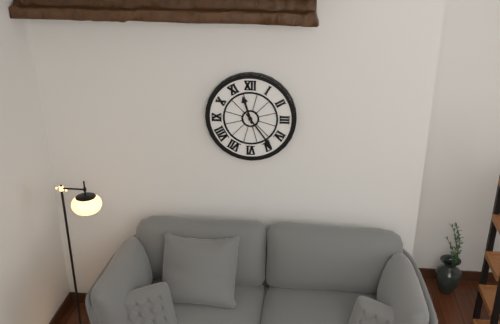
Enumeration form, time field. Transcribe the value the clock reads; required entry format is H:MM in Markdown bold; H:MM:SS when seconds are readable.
**11:24**
